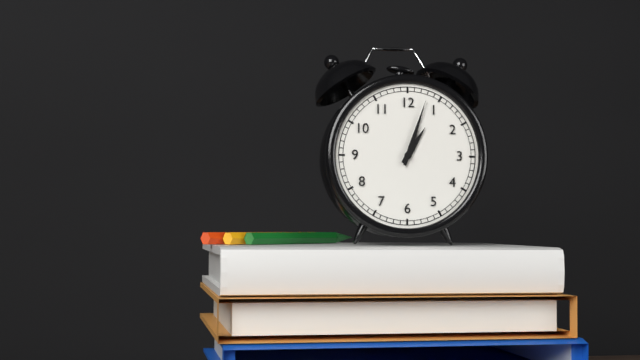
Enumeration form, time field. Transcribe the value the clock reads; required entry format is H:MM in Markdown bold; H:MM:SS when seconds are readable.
**1:03**
